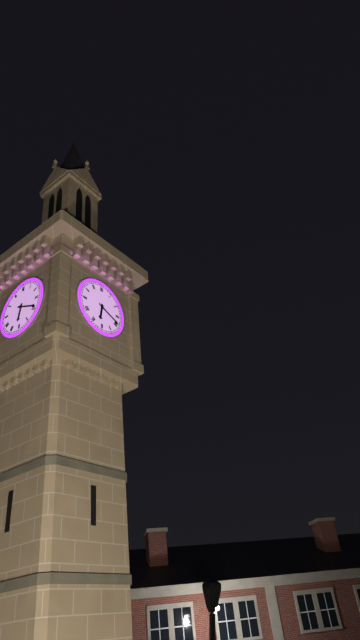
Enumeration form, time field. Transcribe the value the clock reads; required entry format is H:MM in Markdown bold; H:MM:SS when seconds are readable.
**6:19**
